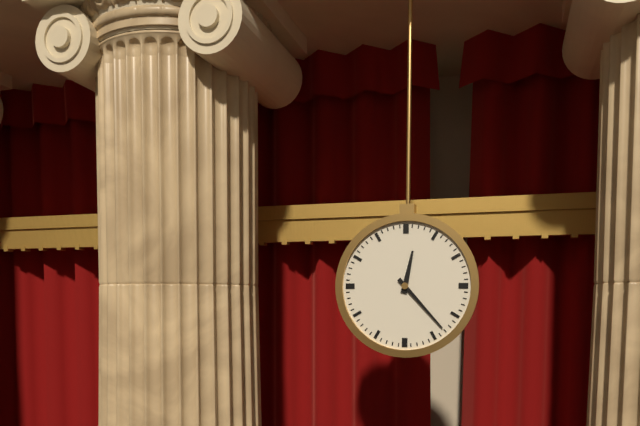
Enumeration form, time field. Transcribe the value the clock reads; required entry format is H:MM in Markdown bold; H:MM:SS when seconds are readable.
**12:23**
